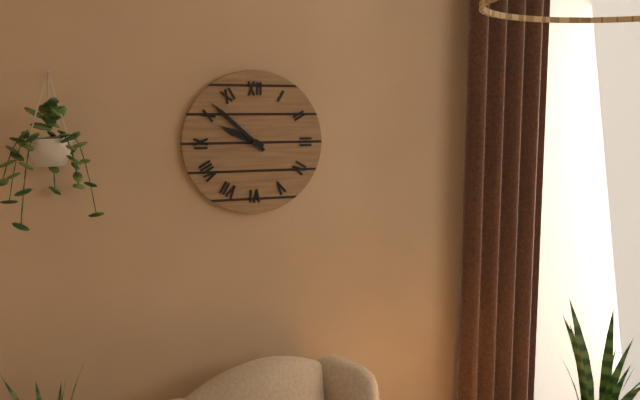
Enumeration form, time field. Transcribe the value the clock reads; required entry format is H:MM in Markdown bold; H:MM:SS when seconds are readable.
**9:52**
